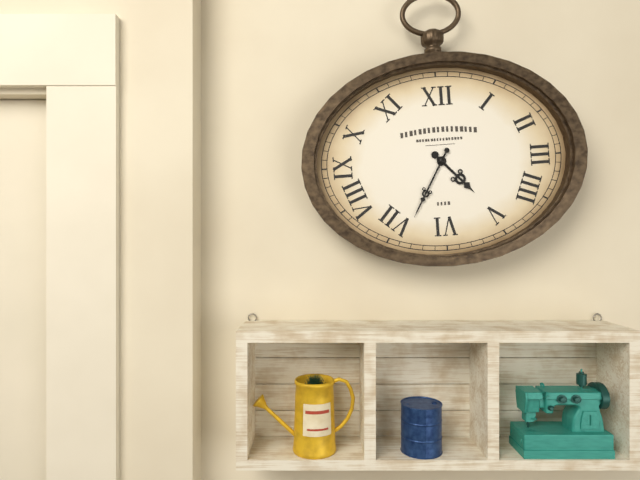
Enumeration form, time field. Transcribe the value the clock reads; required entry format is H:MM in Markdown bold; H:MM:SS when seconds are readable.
**4:35**
